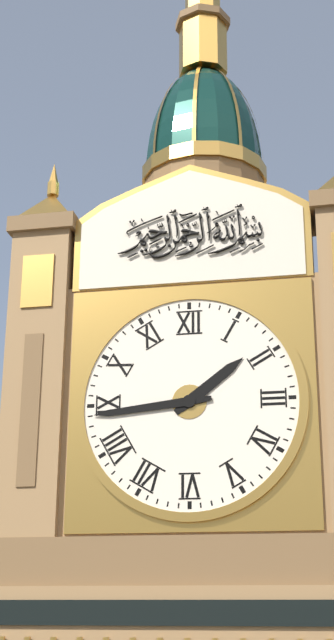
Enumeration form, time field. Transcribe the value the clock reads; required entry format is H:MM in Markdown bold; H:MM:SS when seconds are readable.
**1:44**
